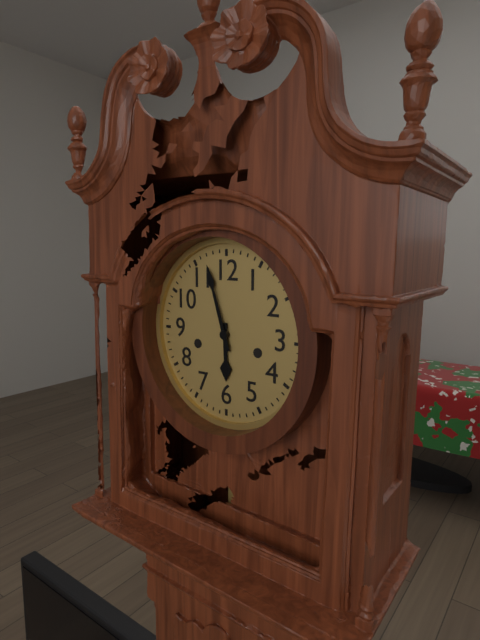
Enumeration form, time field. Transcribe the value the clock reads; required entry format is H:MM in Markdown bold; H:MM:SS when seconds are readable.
**5:57**
